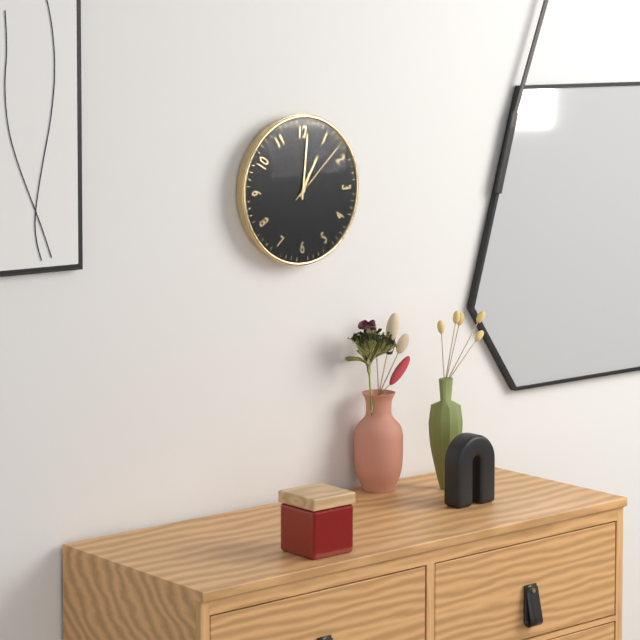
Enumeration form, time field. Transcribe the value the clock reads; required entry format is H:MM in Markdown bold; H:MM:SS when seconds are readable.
**1:01:08**
